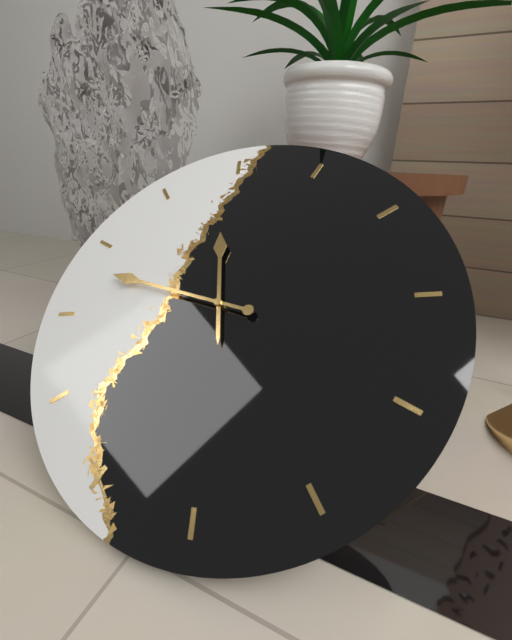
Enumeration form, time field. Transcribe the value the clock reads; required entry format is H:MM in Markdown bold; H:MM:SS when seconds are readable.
**11:48**
